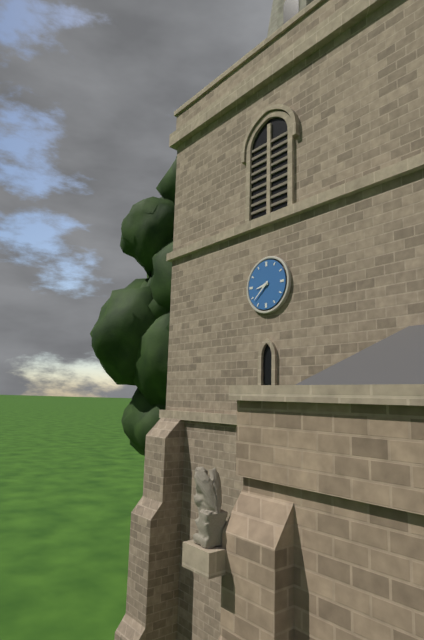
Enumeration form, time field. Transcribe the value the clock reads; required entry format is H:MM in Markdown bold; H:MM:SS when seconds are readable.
**8:38**
